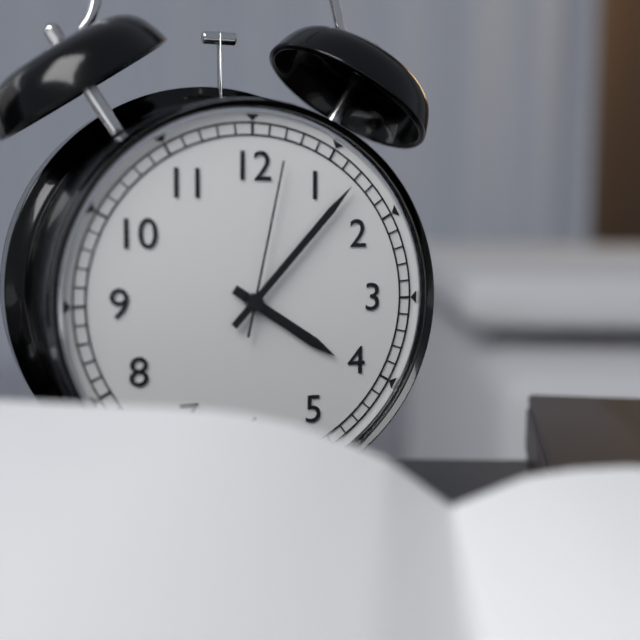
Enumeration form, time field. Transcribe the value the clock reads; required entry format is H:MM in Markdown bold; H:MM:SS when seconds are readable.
**4:07:02**
